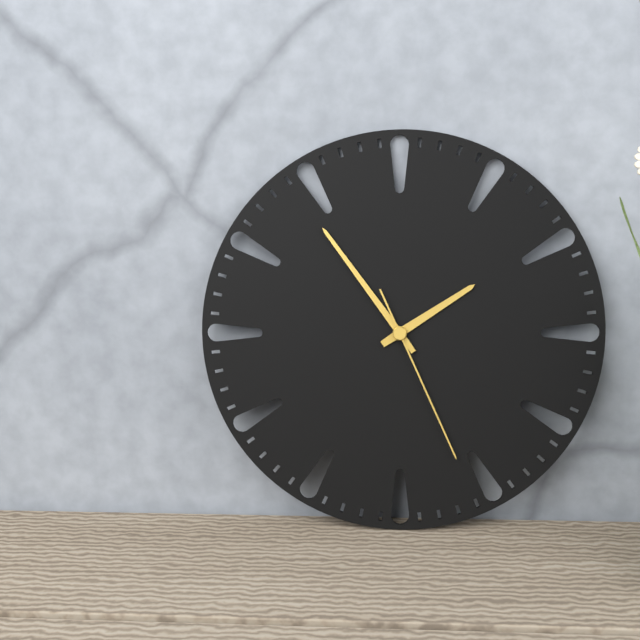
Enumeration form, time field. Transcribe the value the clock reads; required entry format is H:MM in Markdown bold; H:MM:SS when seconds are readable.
**1:54:26**
